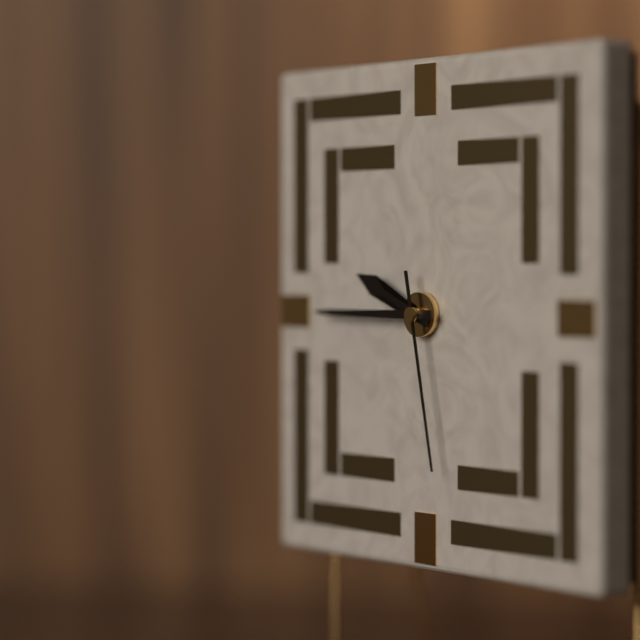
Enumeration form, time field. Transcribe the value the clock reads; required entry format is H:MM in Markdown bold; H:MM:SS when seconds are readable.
**9:45:28**
